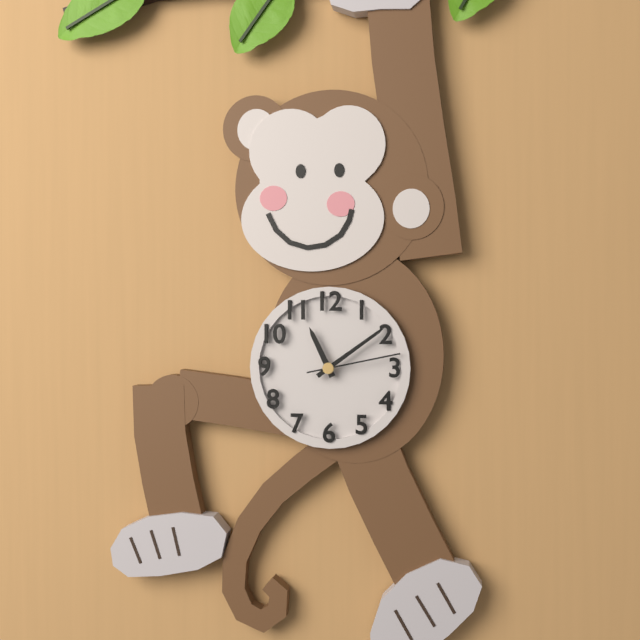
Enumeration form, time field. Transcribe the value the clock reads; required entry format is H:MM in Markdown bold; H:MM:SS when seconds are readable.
**11:09:13**
